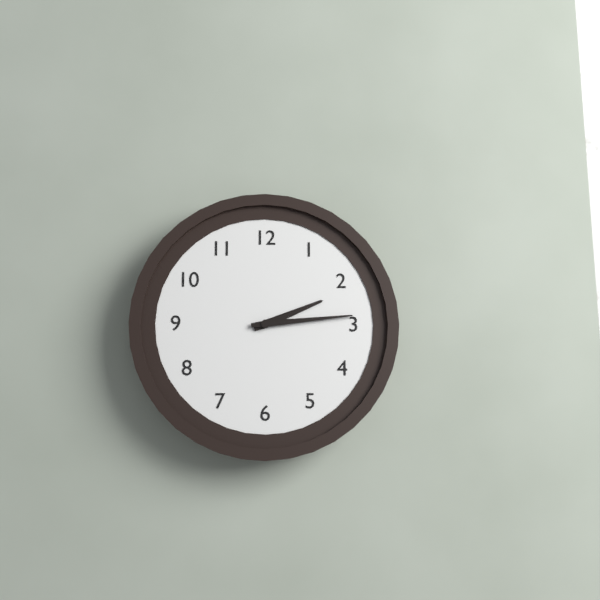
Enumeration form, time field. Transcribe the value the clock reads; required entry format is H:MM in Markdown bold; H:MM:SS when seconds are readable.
**2:14**
